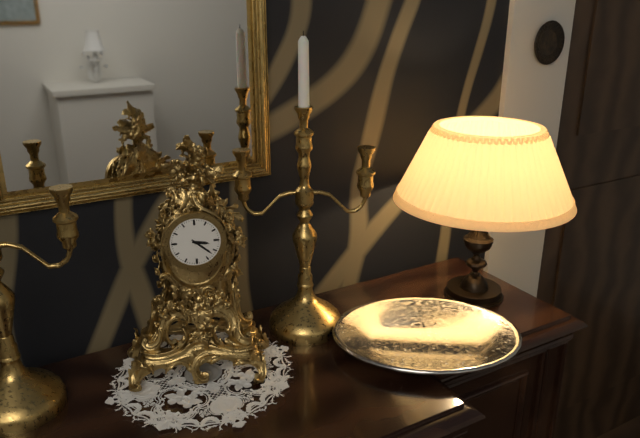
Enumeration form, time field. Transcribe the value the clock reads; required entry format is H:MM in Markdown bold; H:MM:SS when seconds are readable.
**3:22**
